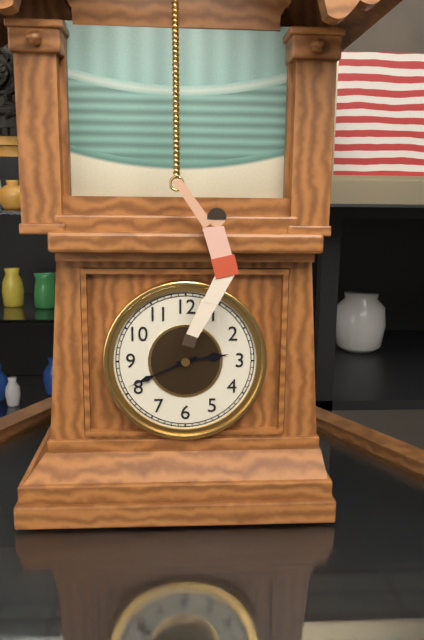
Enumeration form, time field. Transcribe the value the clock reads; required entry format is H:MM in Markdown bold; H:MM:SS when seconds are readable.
**2:41**
